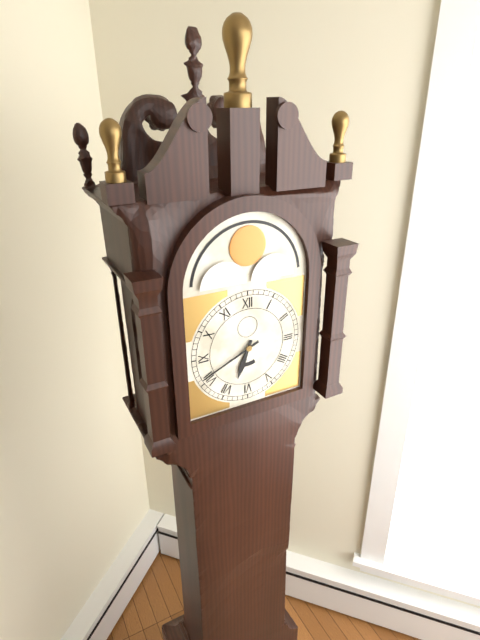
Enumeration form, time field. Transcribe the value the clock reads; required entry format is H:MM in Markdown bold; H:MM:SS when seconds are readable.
**6:41**
